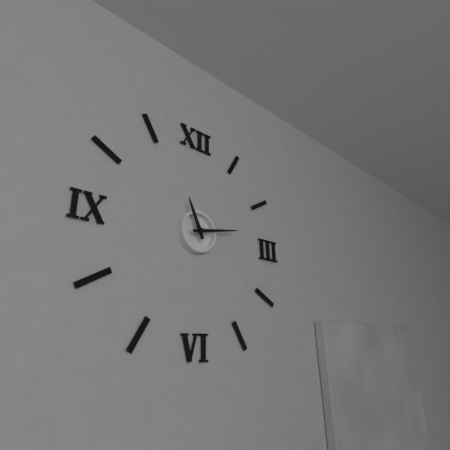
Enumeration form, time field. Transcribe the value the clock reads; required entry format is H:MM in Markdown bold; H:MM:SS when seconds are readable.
**11:13**
